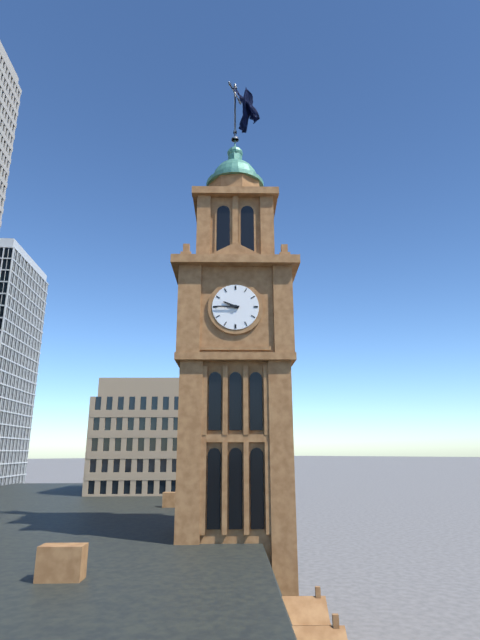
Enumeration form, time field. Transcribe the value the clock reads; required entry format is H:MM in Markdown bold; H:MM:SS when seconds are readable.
**9:45**
